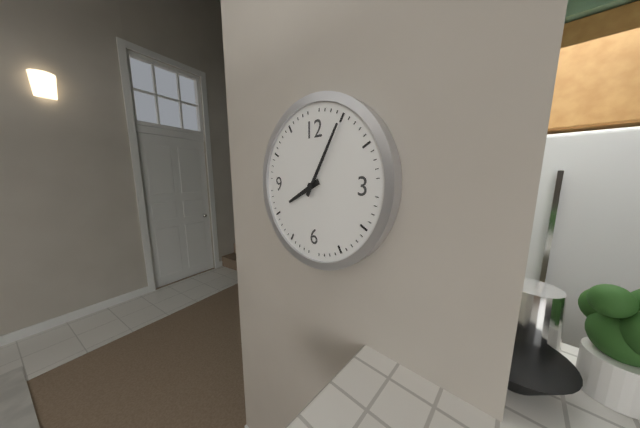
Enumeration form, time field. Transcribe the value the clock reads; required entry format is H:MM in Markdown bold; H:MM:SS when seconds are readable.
**8:05**
